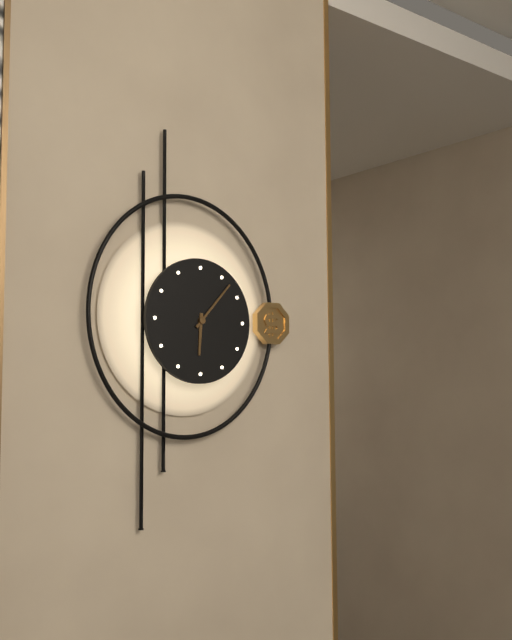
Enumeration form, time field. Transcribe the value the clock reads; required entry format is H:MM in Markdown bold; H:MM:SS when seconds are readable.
**6:07**
